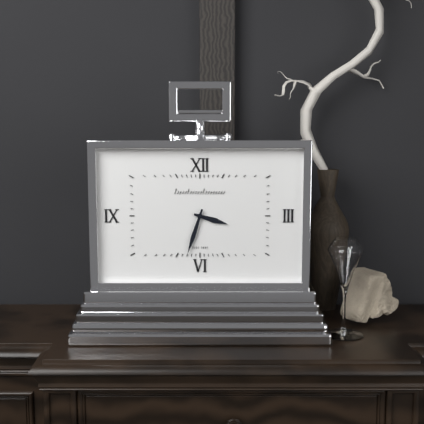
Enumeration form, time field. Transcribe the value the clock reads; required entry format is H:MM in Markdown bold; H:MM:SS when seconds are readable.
**3:33**
